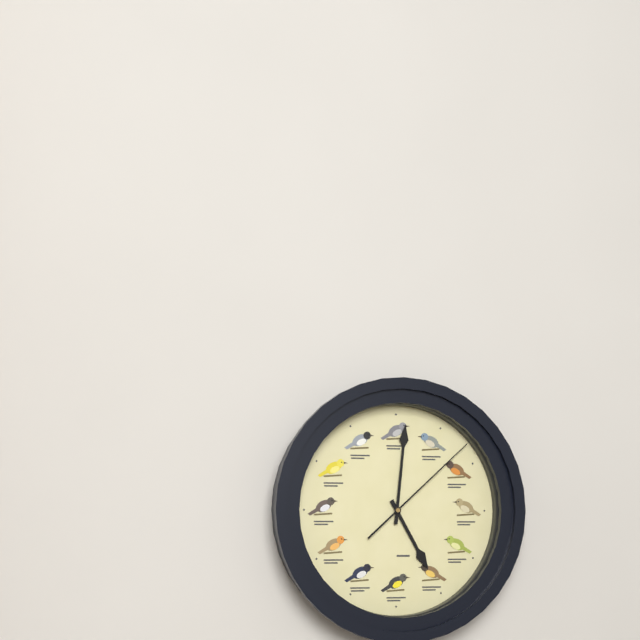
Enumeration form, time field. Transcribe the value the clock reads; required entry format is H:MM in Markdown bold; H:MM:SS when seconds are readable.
**5:01:08**
